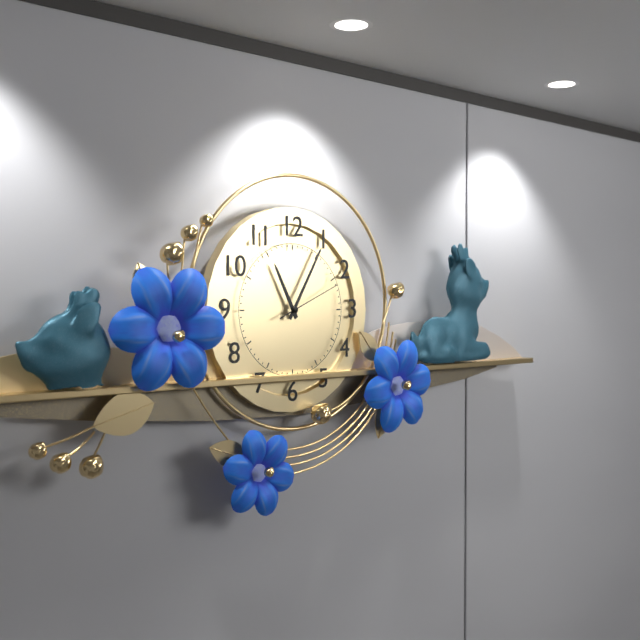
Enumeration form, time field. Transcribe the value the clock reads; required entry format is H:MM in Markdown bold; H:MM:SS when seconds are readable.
**11:05:11**
